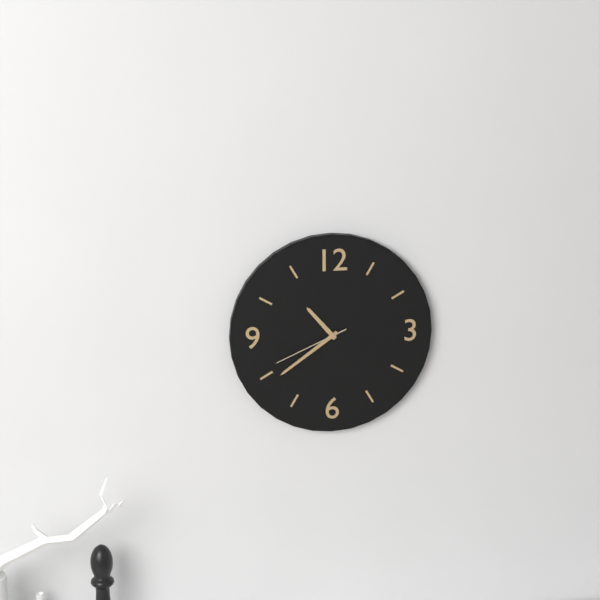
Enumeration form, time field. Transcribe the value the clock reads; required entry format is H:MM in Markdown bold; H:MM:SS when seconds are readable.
**10:39:41**
